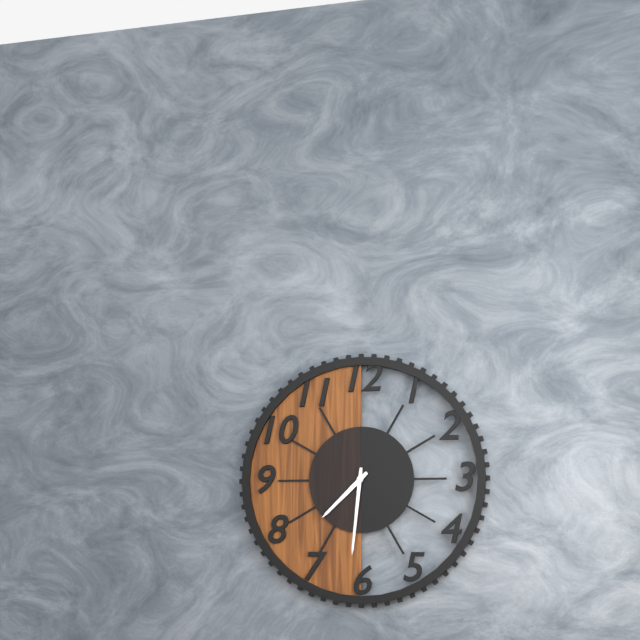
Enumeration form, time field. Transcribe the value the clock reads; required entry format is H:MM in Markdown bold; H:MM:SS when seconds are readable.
**7:31**
